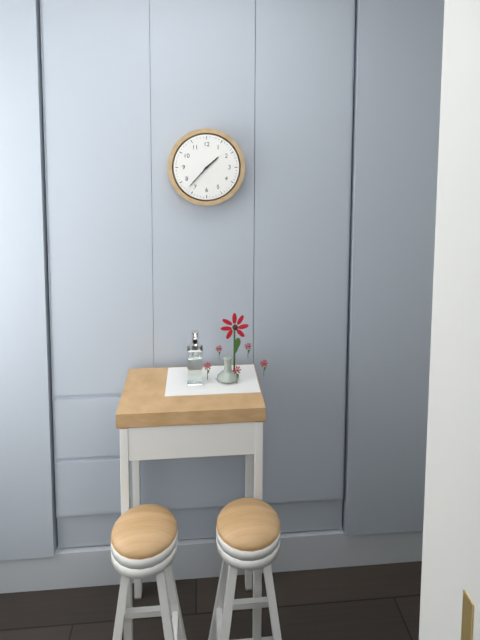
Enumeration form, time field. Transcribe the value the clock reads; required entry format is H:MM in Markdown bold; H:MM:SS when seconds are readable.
**1:37**
